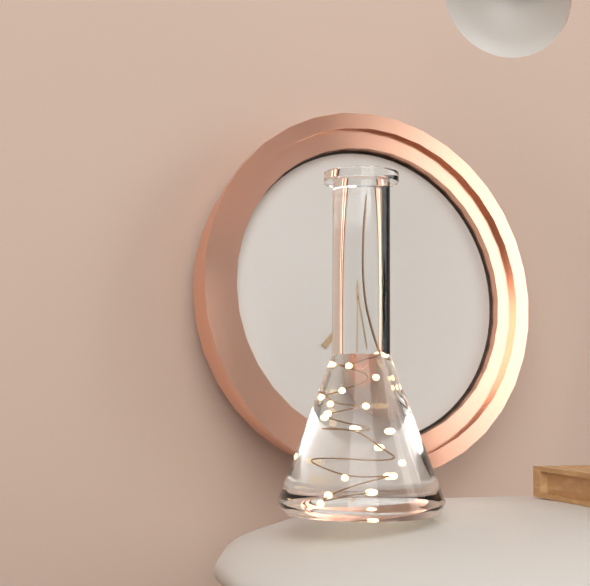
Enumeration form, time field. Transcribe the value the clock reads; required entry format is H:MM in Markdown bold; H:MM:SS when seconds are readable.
**7:30**
